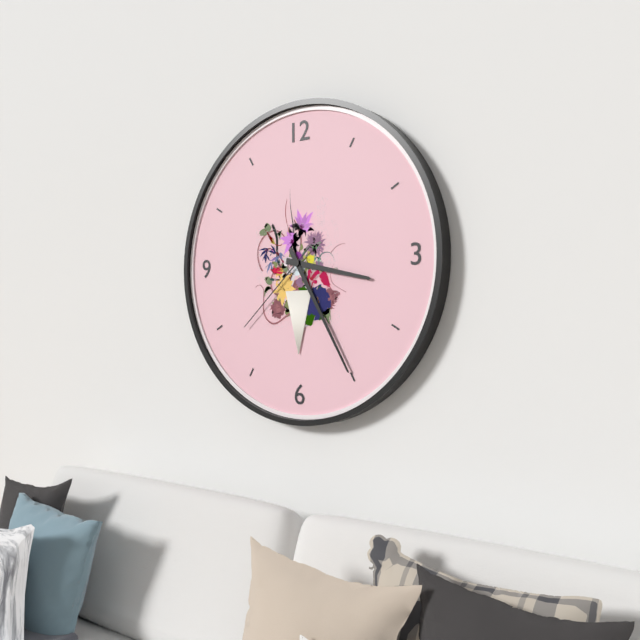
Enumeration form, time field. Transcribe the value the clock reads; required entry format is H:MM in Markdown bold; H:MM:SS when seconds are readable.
**3:25:38**
